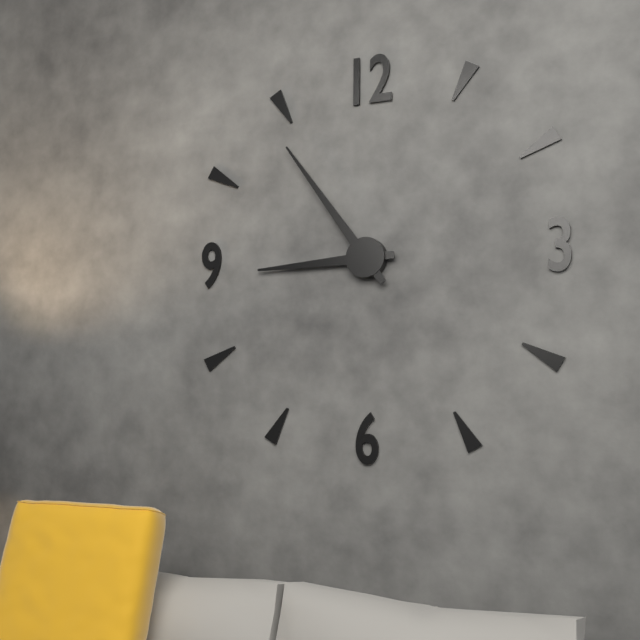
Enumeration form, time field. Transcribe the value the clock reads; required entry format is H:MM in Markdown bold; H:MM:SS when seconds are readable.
**8:54**
